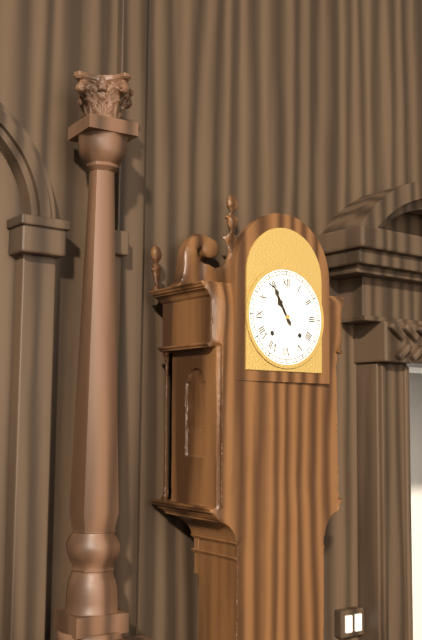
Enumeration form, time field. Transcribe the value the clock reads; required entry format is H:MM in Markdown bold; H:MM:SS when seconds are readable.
**10:55**
